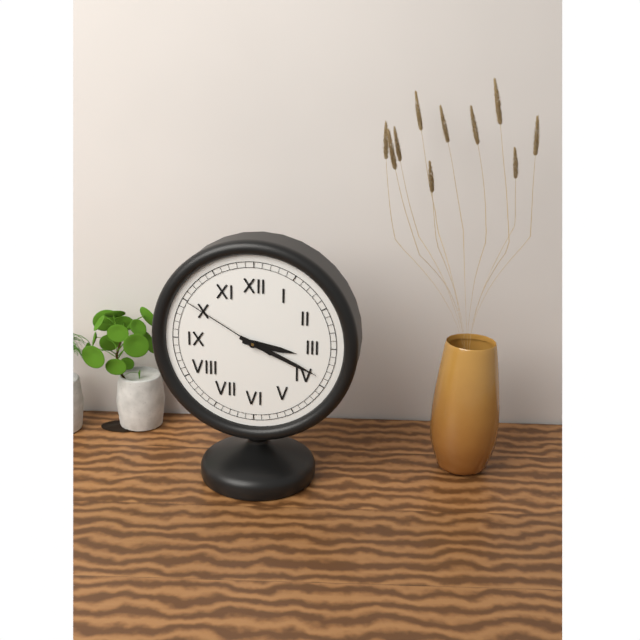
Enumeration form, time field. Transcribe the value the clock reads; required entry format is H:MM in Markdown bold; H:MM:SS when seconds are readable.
**3:19:50**
